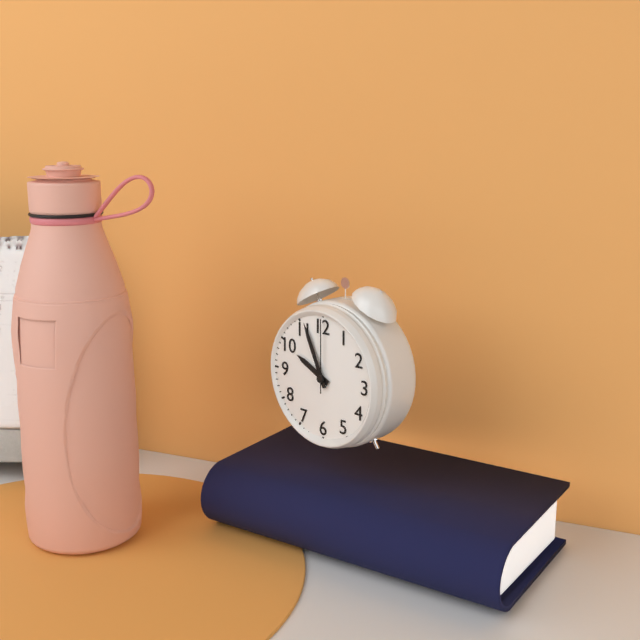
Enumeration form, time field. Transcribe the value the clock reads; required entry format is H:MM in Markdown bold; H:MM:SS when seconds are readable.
**9:56:00**
